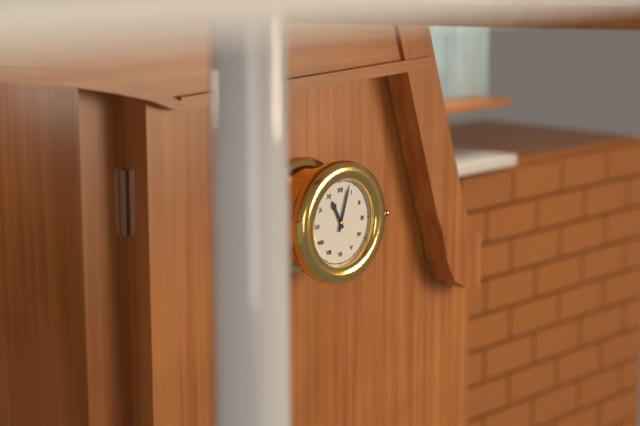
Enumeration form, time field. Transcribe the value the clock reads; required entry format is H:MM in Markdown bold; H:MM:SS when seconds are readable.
**11:03**
